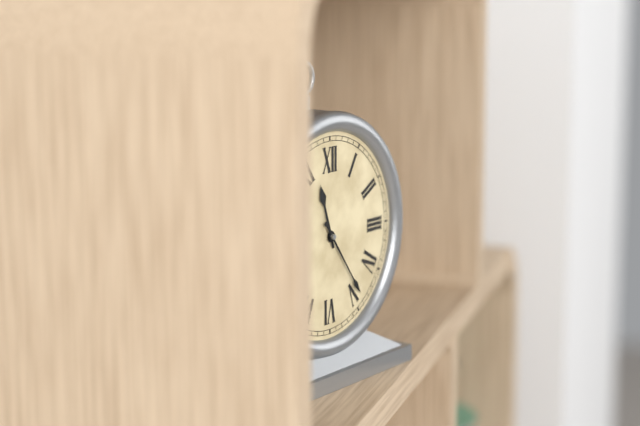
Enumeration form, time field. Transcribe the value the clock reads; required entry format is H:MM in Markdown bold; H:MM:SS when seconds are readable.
**11:24**
